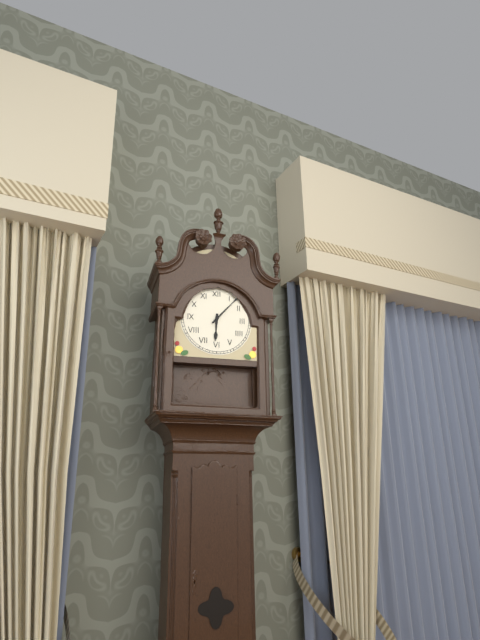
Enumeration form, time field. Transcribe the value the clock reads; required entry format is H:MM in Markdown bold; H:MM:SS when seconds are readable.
**6:07**
